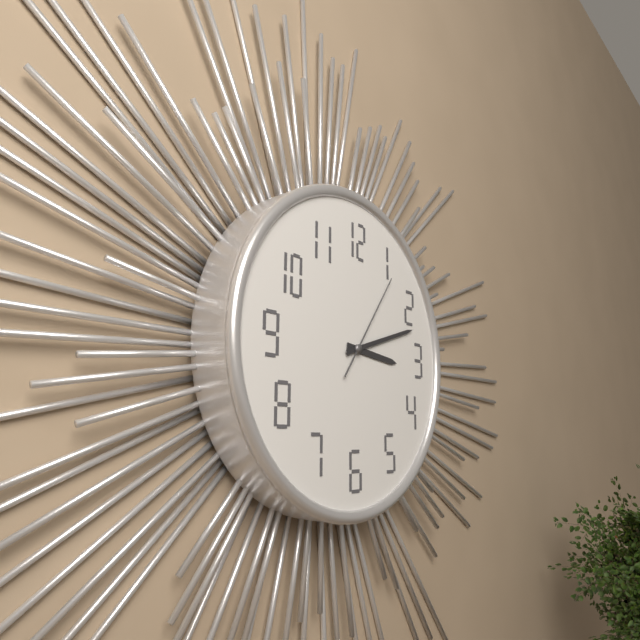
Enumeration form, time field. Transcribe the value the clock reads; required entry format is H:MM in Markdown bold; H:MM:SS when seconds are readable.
**3:12:06**
